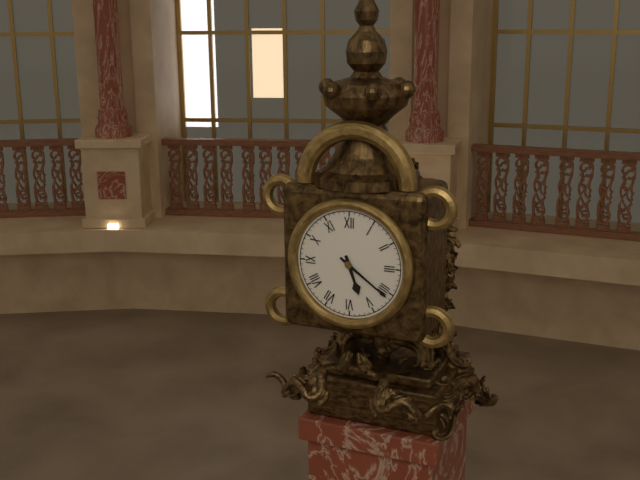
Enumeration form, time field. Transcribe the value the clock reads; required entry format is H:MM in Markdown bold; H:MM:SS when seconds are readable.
**5:21**
